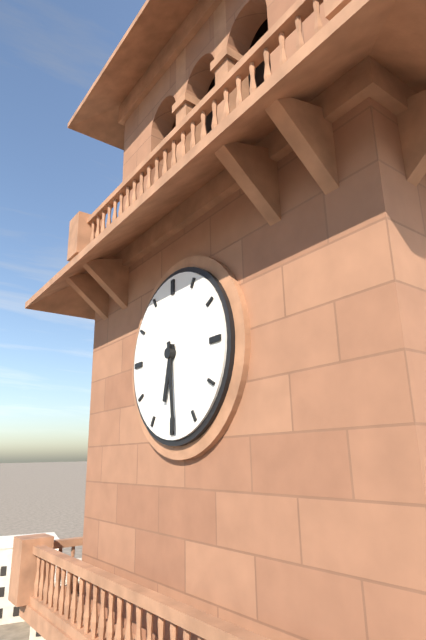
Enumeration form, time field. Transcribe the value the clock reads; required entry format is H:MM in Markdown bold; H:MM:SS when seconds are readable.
**6:29**
